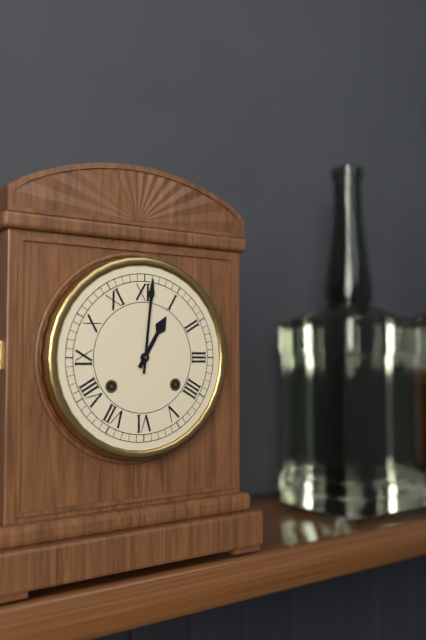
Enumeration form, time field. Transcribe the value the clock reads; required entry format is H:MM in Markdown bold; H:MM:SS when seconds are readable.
**1:01**
